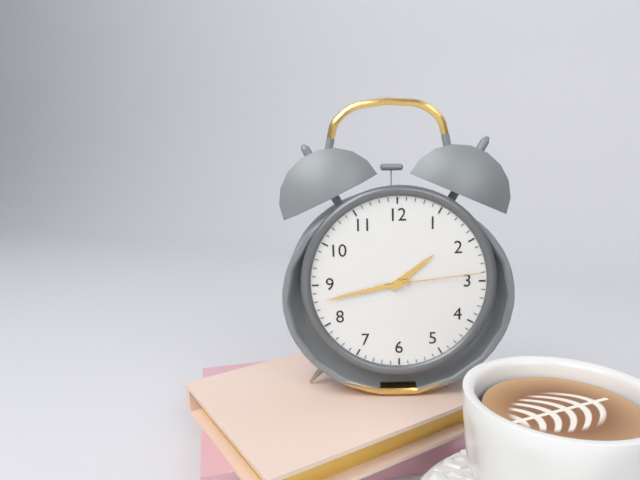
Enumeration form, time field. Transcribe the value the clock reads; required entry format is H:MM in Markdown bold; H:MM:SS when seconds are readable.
**1:43:14**
